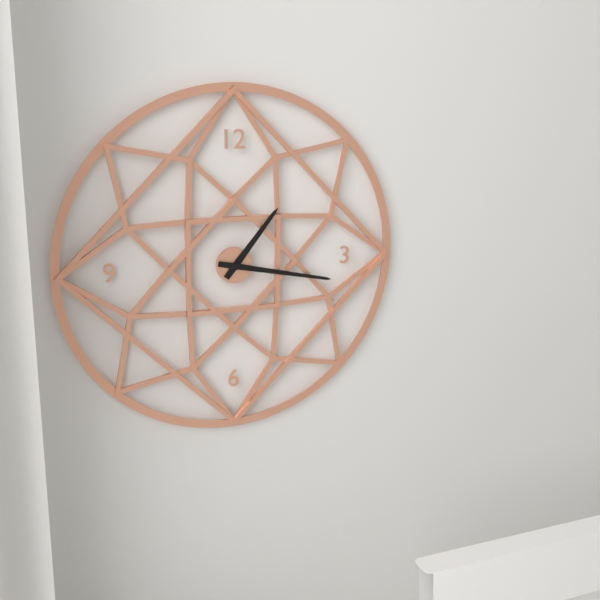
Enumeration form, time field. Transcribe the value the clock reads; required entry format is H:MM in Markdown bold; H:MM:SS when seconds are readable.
**1:17**
